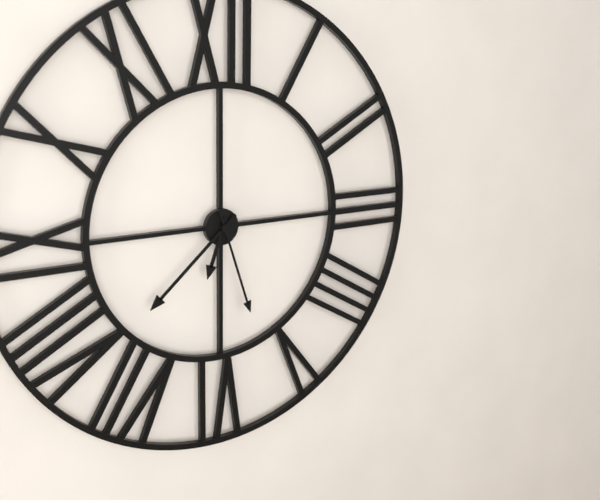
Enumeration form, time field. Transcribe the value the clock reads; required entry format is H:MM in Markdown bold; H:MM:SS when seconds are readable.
**6:38:27**
